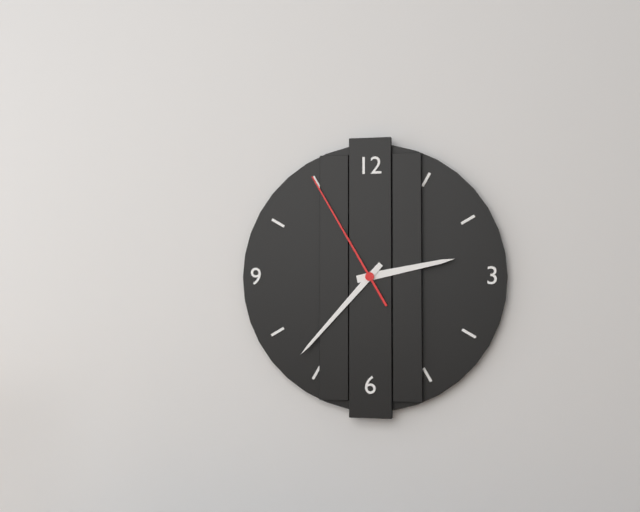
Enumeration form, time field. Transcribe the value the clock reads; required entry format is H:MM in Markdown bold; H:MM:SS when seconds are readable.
**2:37:55**
